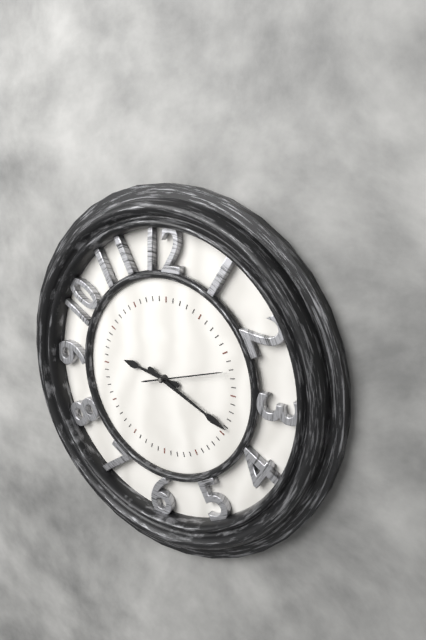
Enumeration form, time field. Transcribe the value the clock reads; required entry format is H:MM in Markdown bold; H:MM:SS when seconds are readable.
**9:19:12**
